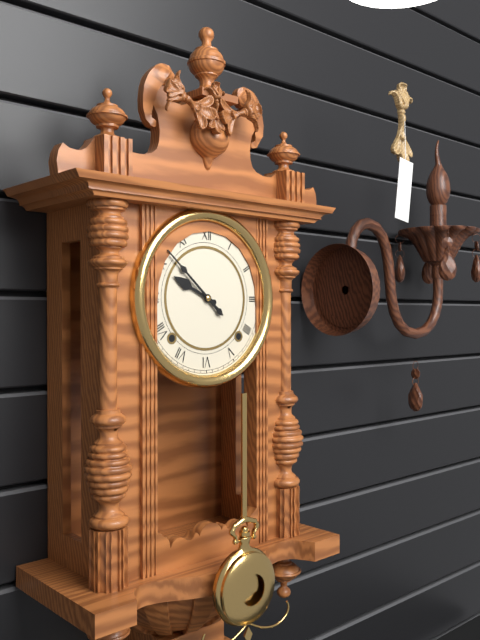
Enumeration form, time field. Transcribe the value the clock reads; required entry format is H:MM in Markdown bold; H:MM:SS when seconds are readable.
**9:52**
